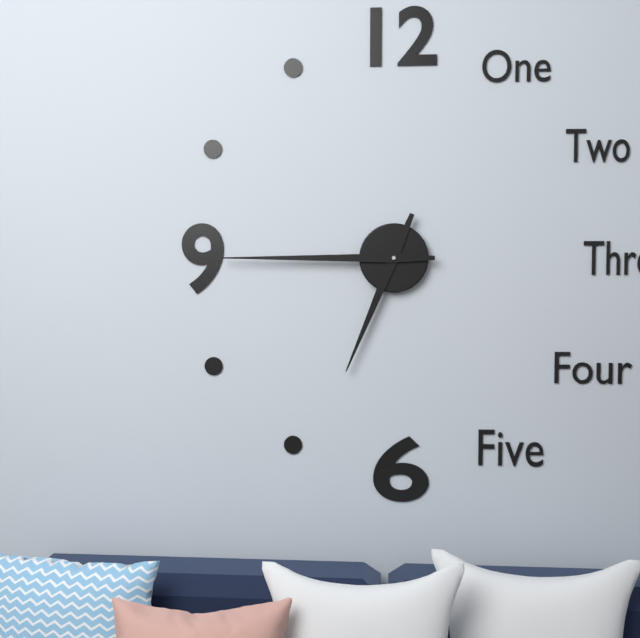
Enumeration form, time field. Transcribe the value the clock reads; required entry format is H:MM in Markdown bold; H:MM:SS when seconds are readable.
**6:45**
